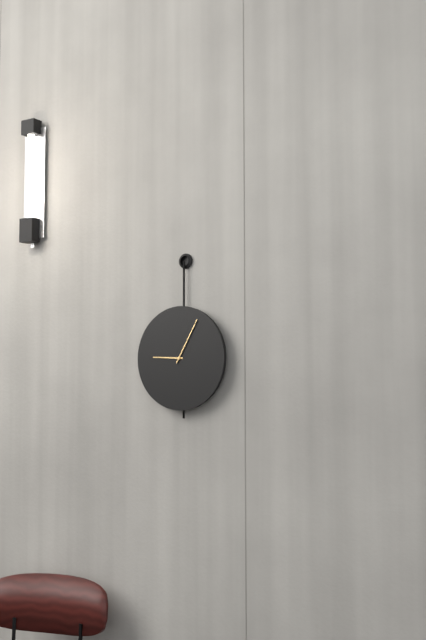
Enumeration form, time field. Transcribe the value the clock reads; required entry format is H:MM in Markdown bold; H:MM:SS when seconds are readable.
**9:05**
